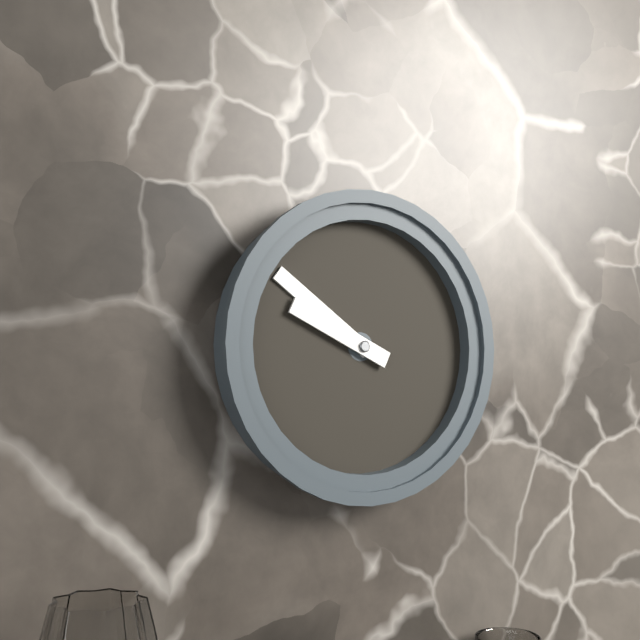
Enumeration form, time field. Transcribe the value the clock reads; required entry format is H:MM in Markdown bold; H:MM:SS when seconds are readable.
**9:51**
